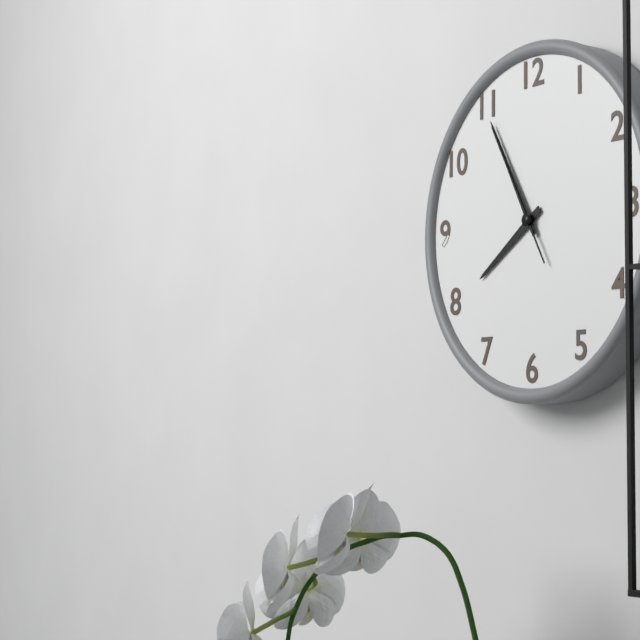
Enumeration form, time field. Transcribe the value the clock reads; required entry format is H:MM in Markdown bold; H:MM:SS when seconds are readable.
**7:55:55**
